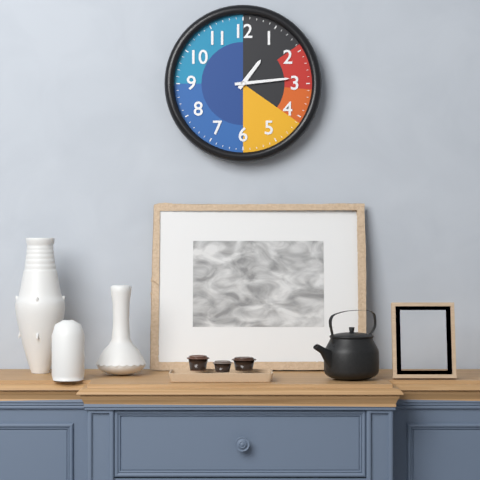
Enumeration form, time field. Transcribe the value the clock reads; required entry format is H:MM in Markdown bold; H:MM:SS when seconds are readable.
**1:14**
